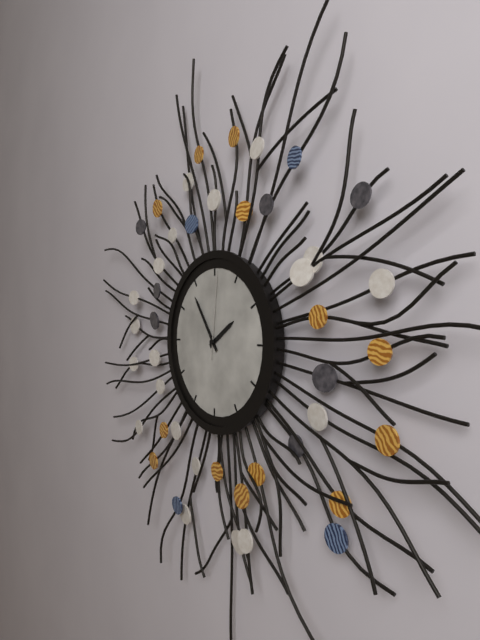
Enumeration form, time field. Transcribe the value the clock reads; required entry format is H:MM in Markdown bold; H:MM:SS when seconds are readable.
**1:54:01**
